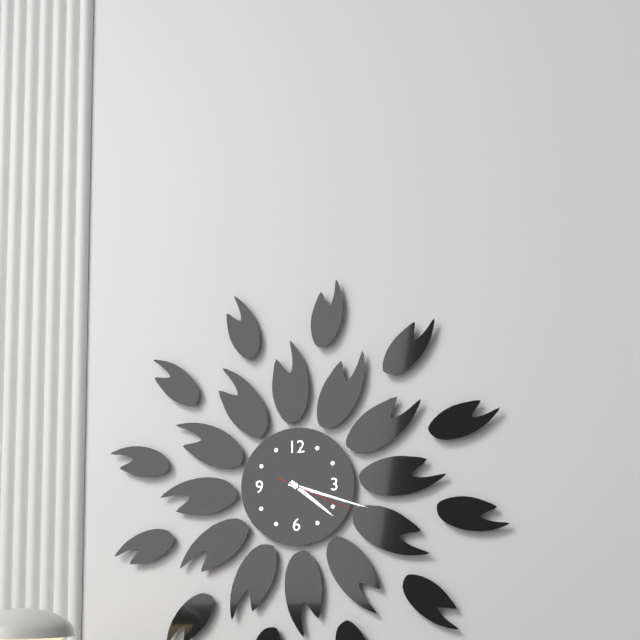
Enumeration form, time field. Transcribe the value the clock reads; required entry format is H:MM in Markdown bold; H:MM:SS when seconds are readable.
**4:18:19**
